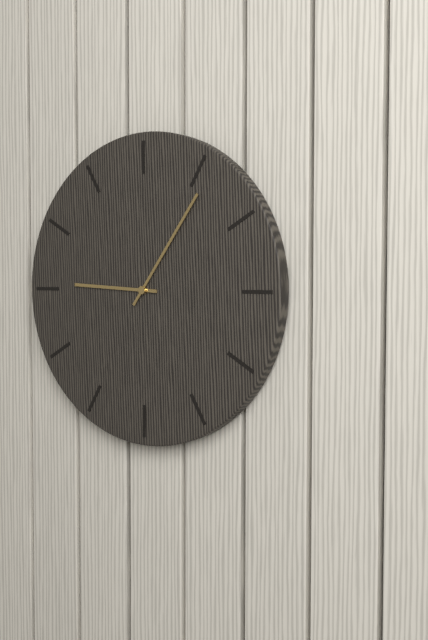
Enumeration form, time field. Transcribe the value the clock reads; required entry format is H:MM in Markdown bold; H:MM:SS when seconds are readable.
**9:06**
